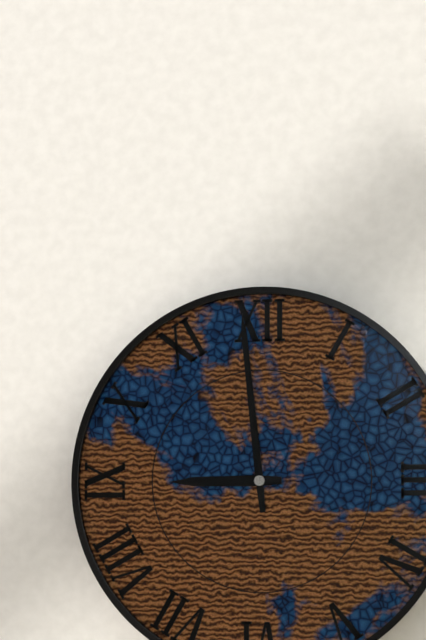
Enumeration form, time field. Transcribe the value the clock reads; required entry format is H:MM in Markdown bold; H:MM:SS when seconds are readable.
**8:59**
